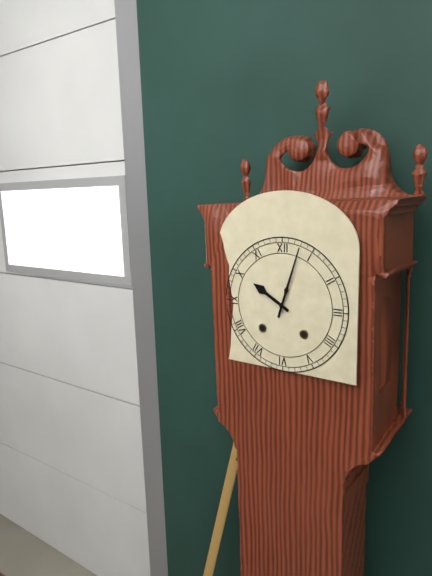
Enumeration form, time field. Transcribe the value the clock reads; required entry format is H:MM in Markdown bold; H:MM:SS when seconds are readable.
**10:03**
